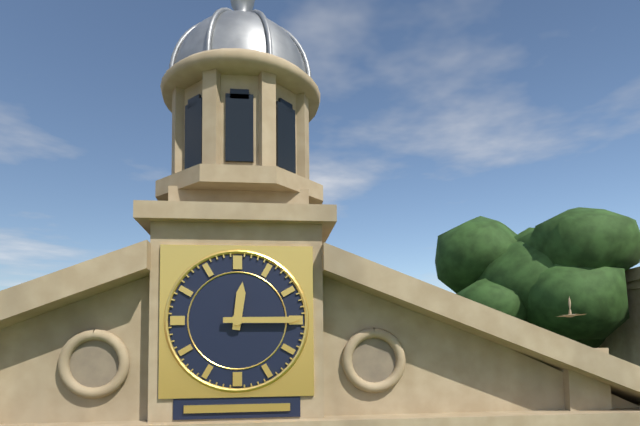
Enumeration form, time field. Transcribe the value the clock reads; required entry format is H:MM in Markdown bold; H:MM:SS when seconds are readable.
**12:15**
